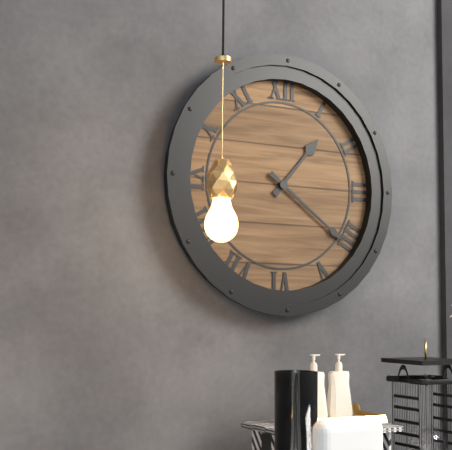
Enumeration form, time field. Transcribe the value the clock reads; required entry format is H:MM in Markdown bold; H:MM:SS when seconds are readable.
**1:21**
